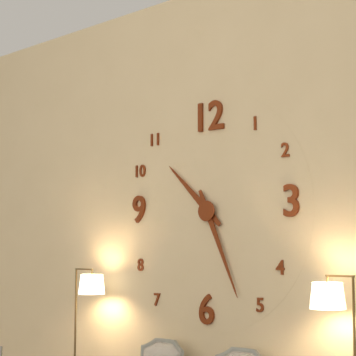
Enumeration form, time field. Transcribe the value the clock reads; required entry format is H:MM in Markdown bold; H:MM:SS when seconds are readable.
**10:26**
